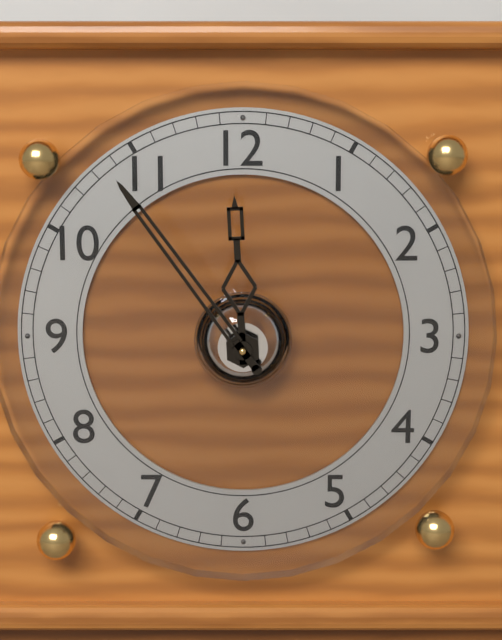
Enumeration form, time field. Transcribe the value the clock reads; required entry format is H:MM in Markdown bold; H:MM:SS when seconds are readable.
**11:54**
